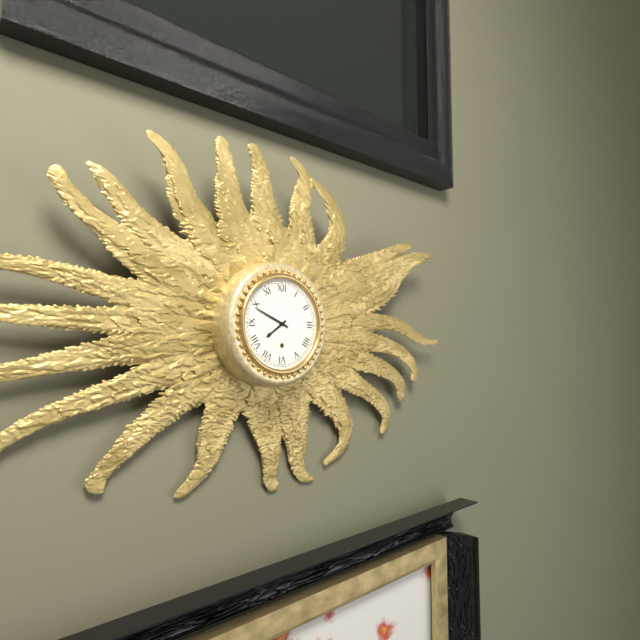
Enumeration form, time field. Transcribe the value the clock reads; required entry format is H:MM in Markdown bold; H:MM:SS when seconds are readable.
**7:49**
